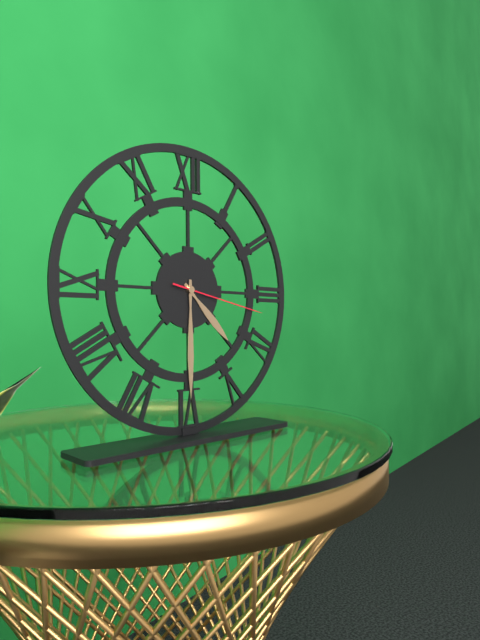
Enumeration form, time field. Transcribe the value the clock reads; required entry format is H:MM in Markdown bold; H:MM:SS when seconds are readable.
**4:30:17**
